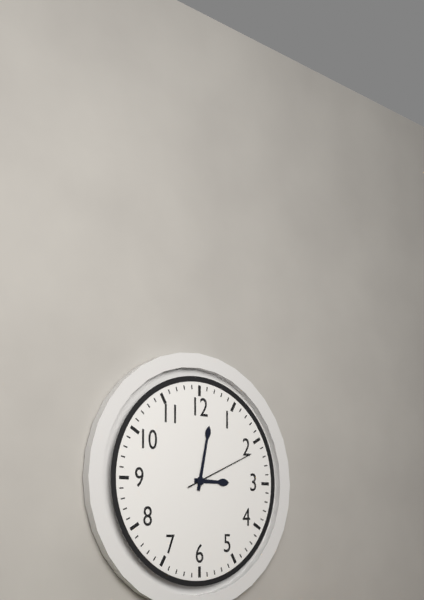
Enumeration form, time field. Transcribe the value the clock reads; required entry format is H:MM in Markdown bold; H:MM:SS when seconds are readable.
**3:02:11**
